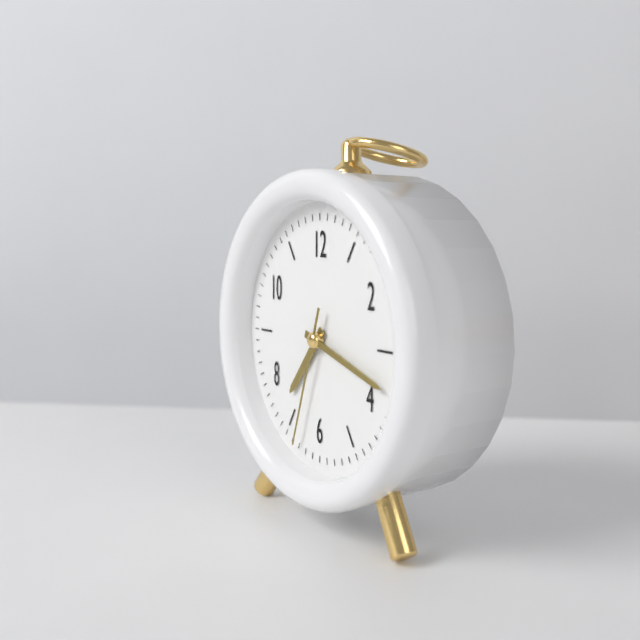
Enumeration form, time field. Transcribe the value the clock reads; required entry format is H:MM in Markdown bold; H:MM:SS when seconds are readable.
**7:18:33**
